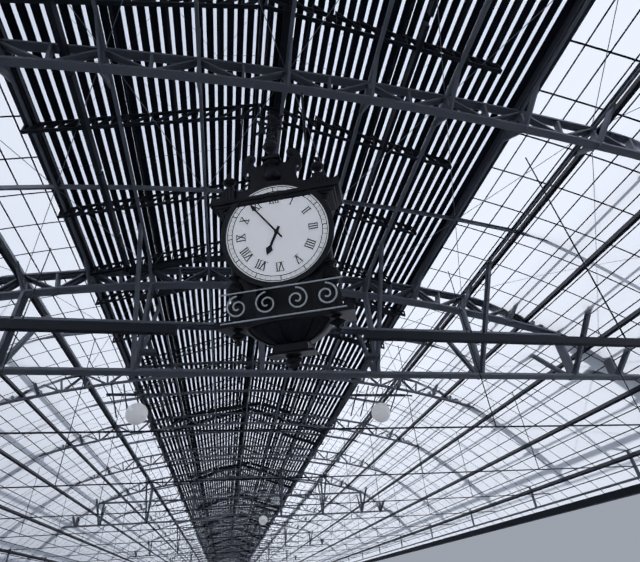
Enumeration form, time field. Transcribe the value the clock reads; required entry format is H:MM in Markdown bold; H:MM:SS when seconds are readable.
**6:54**
